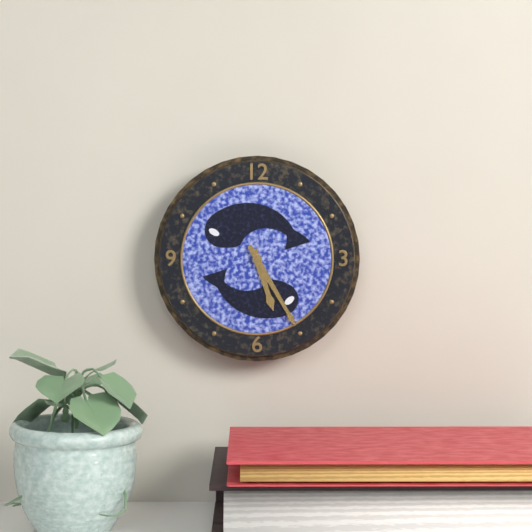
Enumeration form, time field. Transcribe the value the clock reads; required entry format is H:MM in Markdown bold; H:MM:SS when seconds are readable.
**5:25**
